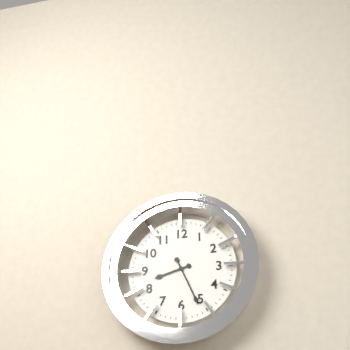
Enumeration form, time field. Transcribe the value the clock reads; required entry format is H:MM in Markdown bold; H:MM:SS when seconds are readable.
**8:26**
